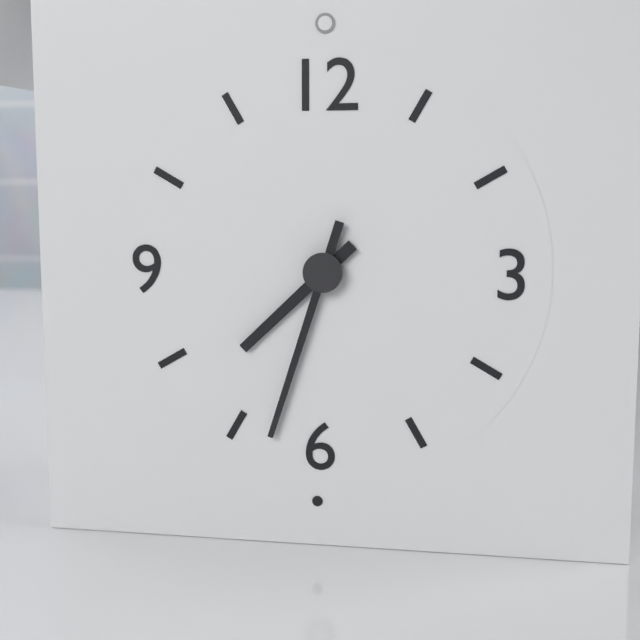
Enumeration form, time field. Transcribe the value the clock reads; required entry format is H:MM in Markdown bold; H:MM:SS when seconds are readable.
**7:33**
